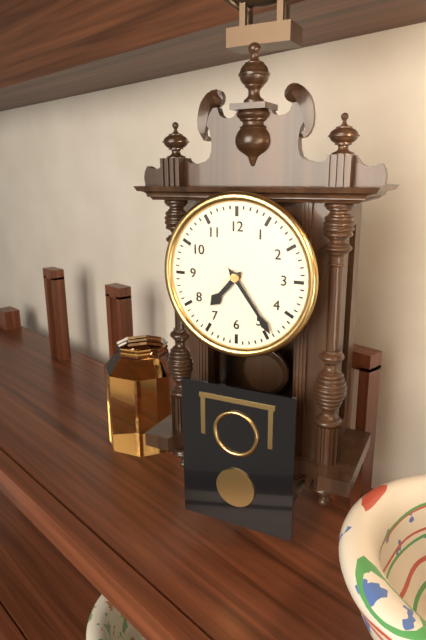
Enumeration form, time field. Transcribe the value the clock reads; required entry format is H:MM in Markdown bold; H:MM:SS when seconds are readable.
**7:24**
